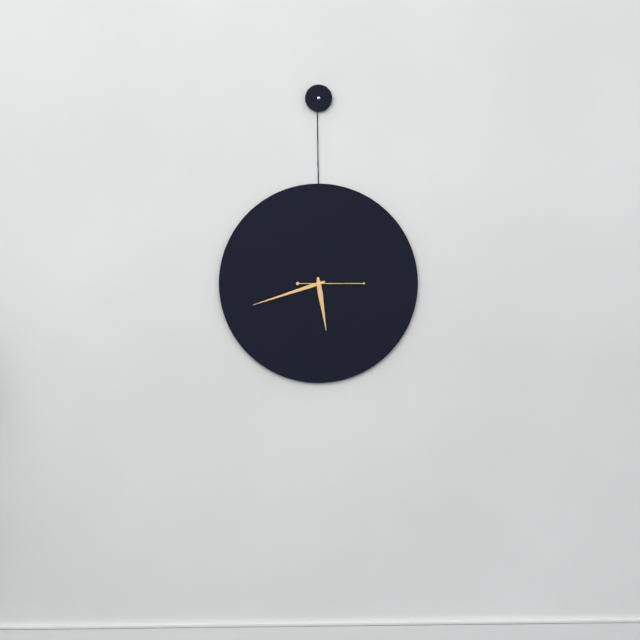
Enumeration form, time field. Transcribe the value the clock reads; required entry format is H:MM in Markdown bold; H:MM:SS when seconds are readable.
**5:42:15**
